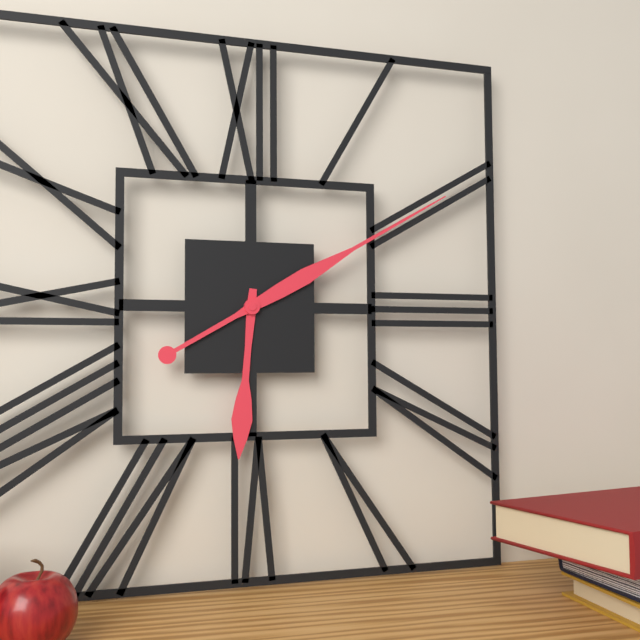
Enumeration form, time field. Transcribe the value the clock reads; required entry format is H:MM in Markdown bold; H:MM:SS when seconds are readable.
**6:10**
